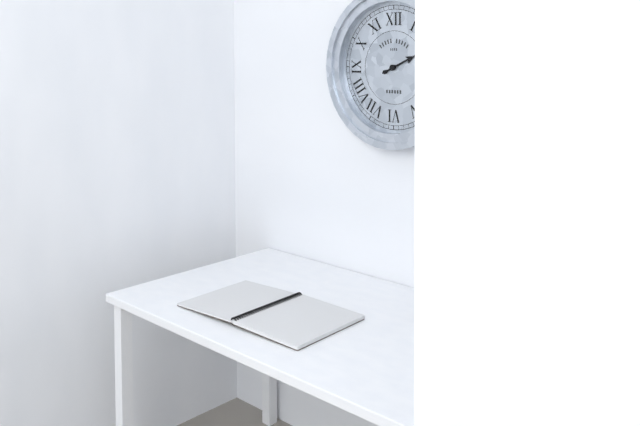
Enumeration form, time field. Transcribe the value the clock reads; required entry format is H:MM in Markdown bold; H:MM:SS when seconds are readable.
**2:11**
